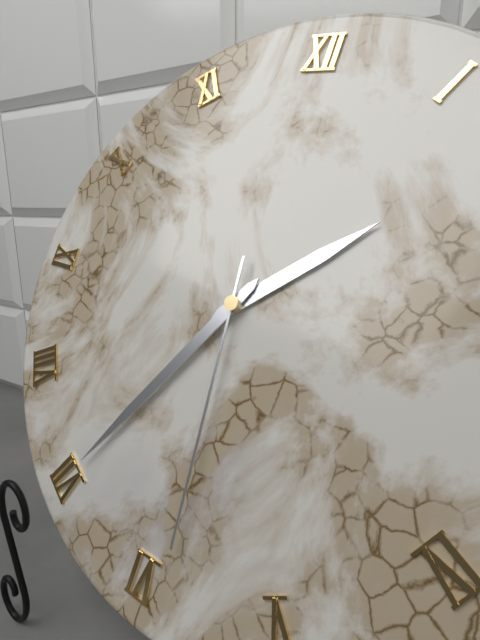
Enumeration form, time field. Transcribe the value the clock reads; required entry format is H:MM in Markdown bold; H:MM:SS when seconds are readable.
**1:35:29**
